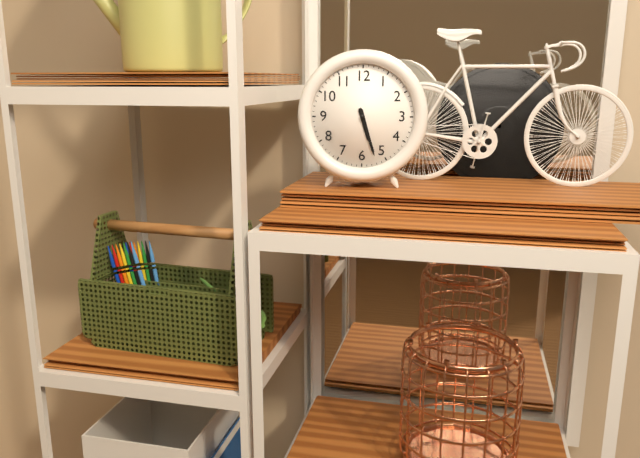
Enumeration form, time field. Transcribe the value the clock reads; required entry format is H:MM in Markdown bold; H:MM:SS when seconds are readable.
**5:27**
